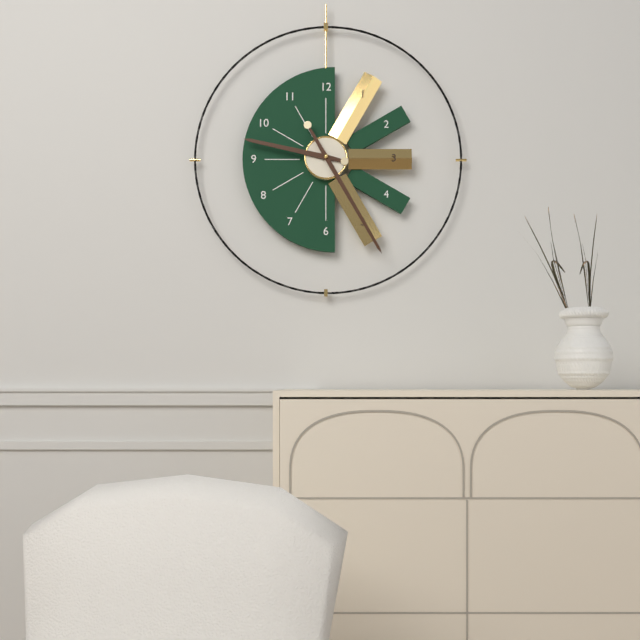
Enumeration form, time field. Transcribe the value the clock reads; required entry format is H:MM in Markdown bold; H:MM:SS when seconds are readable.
**9:25**
